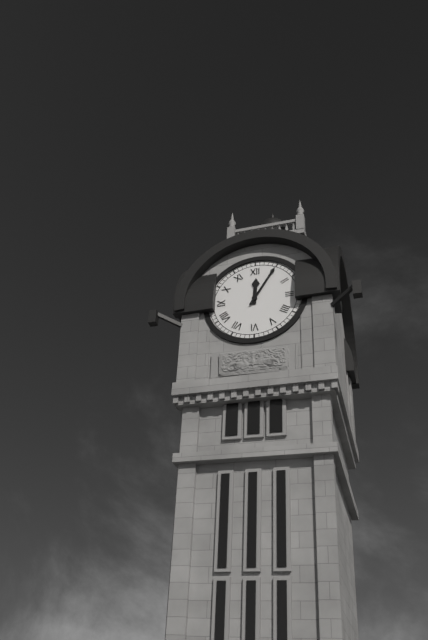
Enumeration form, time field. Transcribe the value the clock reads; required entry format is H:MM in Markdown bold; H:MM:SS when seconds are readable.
**12:05**
